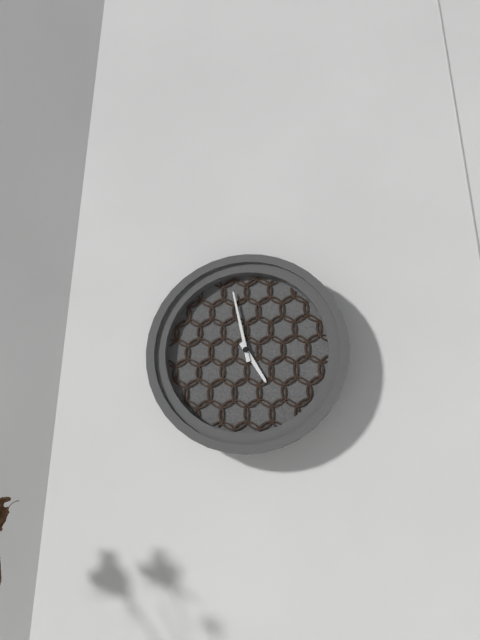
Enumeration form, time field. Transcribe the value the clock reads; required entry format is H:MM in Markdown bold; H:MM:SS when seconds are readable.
**4:58**
